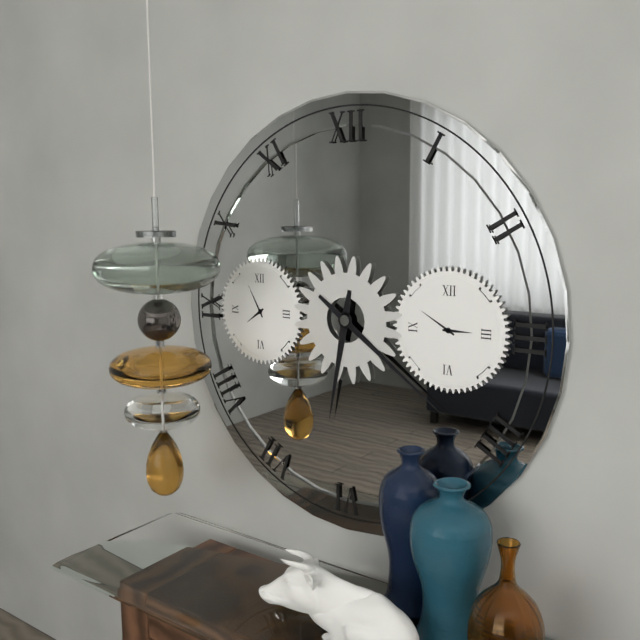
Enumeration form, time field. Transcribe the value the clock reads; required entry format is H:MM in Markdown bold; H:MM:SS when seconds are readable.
**6:21**
